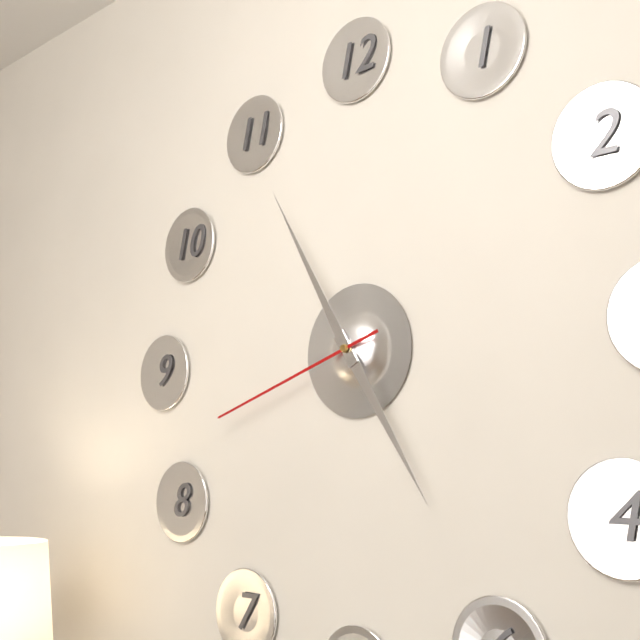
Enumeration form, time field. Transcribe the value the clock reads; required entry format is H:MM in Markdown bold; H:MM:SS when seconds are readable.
**4:55:42**
